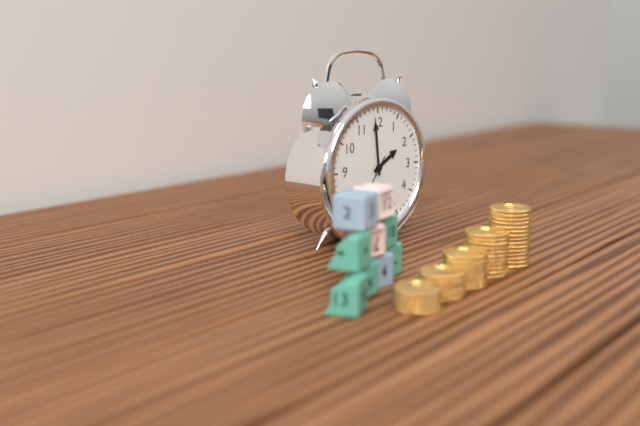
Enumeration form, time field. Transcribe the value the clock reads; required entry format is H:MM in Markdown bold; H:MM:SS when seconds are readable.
**1:59**
